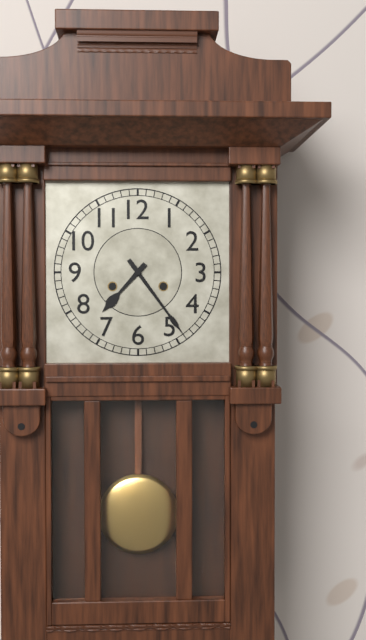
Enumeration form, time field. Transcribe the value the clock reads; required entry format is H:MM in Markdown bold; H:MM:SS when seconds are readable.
**7:24**
